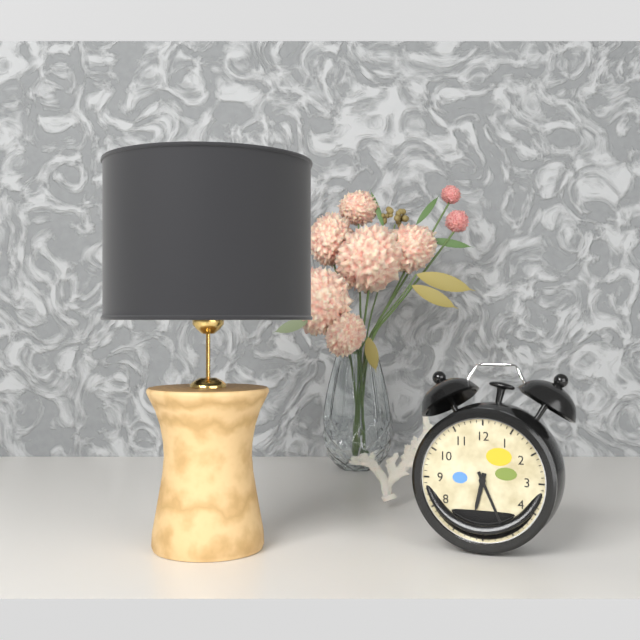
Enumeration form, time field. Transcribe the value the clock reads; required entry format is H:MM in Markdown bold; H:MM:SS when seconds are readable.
**6:26**
